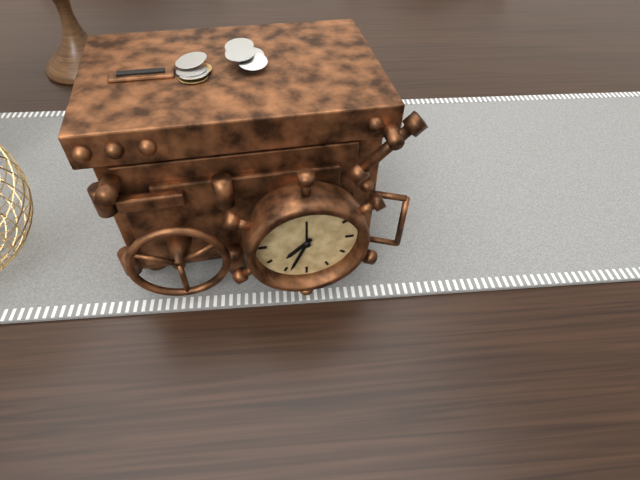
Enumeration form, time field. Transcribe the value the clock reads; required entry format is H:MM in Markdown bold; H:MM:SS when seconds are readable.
**7:34**
